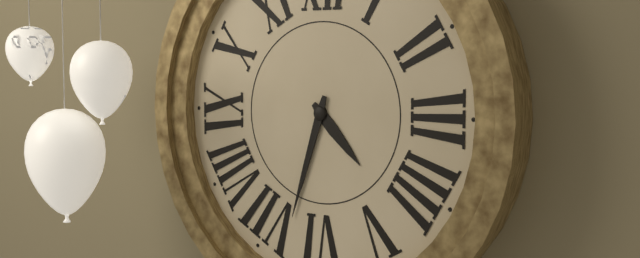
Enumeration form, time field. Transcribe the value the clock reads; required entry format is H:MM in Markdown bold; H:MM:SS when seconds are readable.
**4:33**
